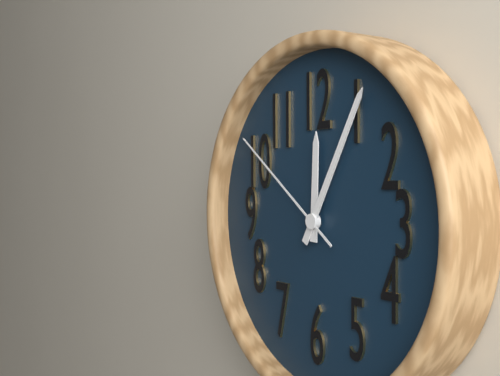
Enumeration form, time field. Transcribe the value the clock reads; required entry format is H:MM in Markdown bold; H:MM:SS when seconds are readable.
**12:05:51**
